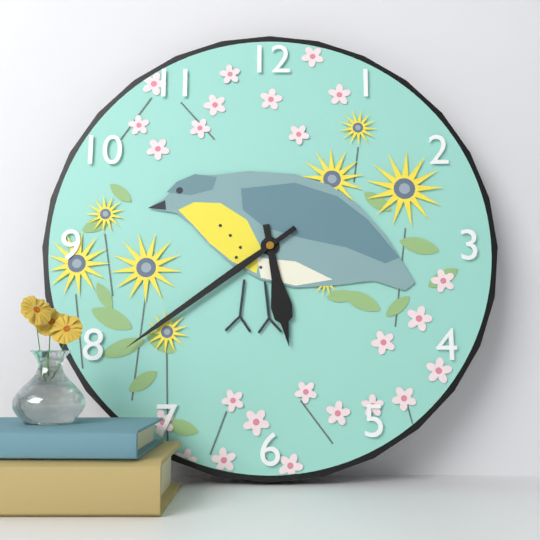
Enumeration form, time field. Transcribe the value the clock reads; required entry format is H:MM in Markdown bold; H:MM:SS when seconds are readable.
**5:39**
